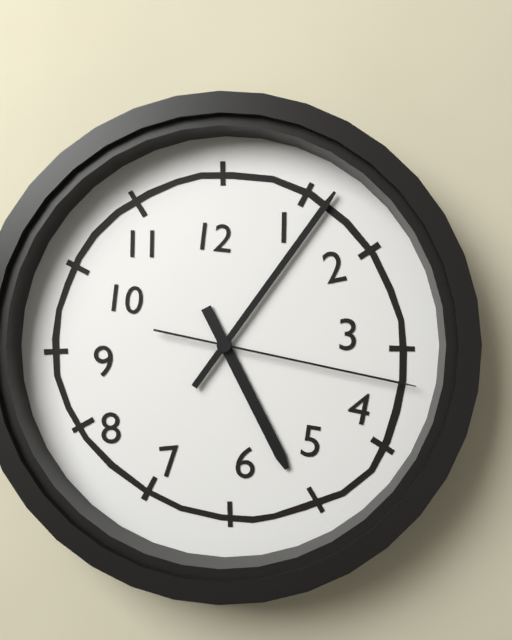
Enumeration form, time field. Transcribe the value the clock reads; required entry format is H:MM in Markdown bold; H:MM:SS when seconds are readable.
**5:06:17**
